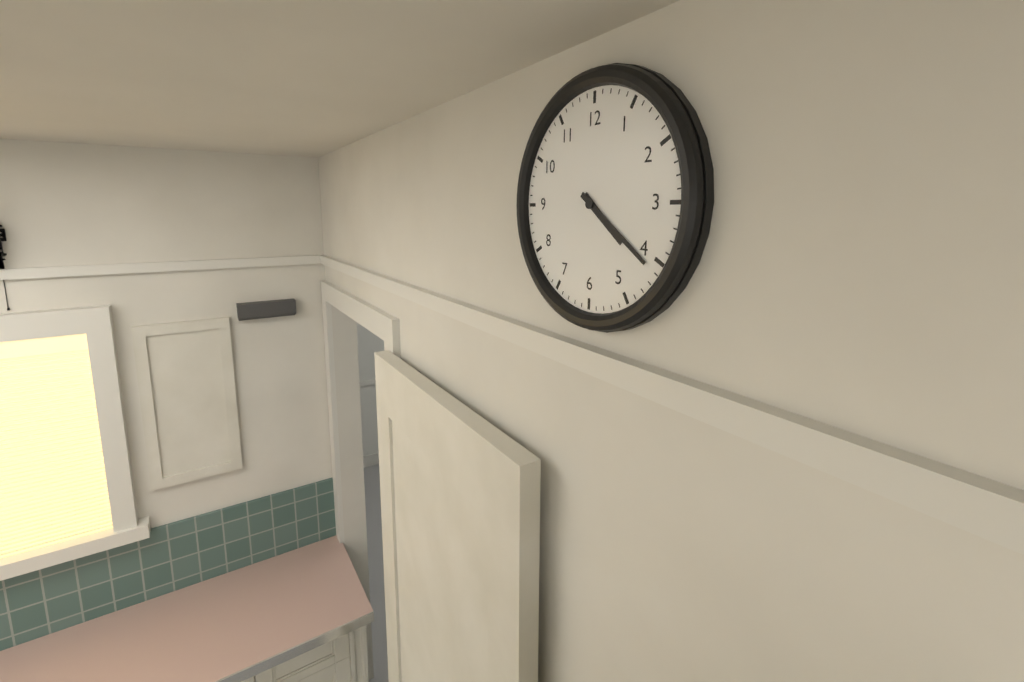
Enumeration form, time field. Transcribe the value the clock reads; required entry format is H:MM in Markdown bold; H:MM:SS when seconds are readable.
**4:21**
